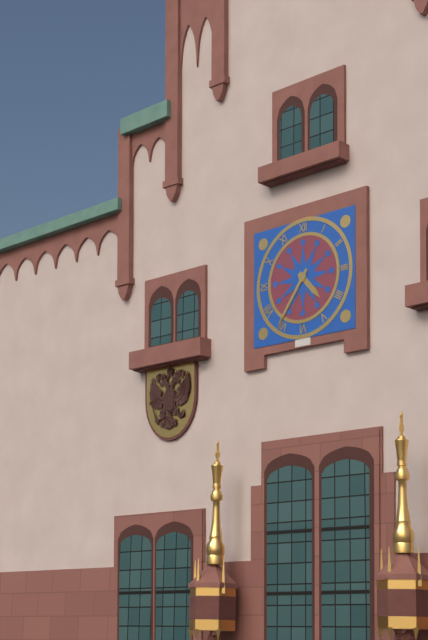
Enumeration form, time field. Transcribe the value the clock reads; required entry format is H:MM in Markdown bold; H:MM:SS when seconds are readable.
**4:36**
